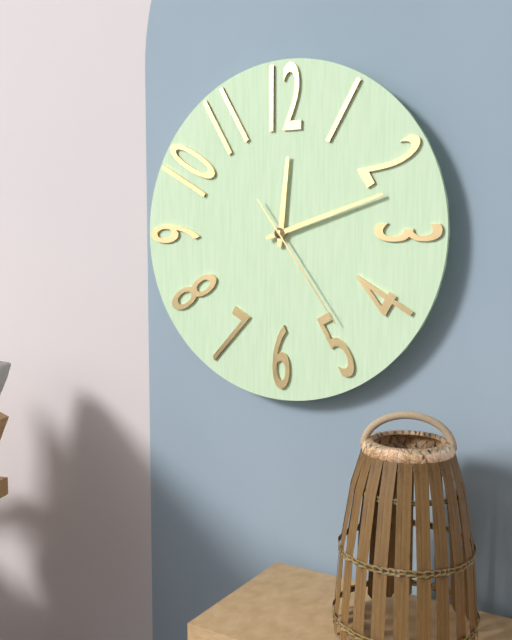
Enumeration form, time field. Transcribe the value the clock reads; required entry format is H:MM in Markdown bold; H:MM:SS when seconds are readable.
**12:12:24**
